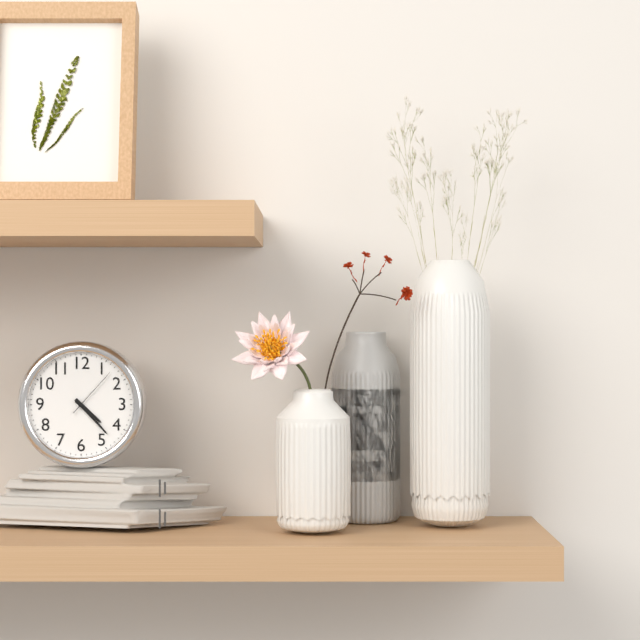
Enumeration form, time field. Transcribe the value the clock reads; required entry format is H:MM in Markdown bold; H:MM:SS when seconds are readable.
**4:23:07**
